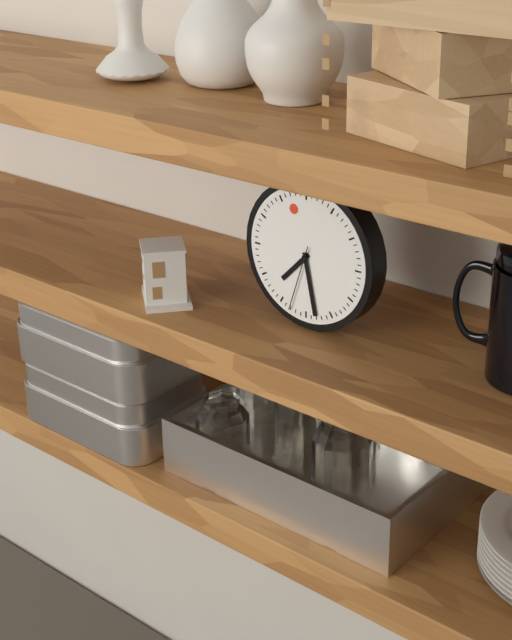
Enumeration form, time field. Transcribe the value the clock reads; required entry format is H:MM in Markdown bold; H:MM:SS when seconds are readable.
**7:28:33**
